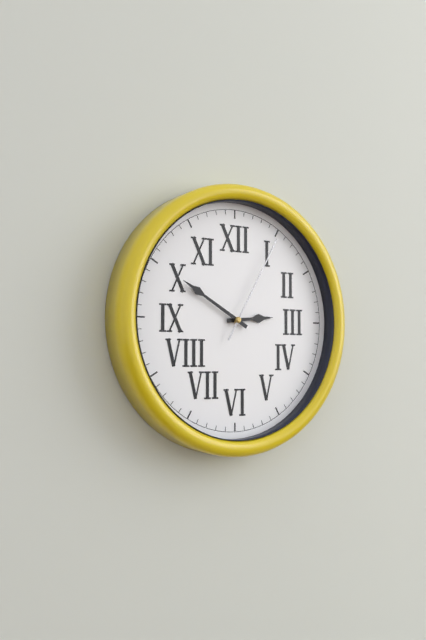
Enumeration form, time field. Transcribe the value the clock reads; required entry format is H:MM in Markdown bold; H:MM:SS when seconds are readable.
**2:50:05**
